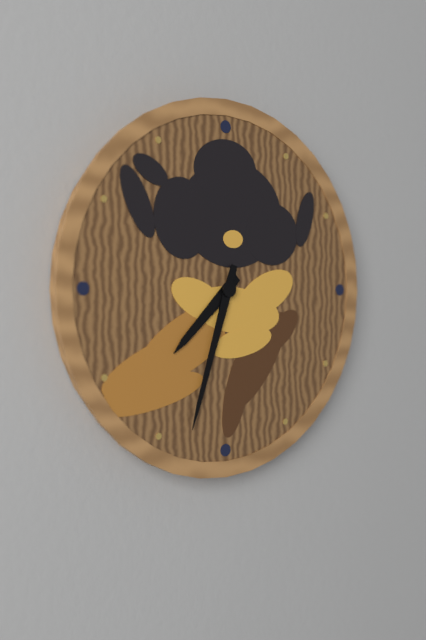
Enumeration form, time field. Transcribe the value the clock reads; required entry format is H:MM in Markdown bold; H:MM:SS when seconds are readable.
**7:33**
